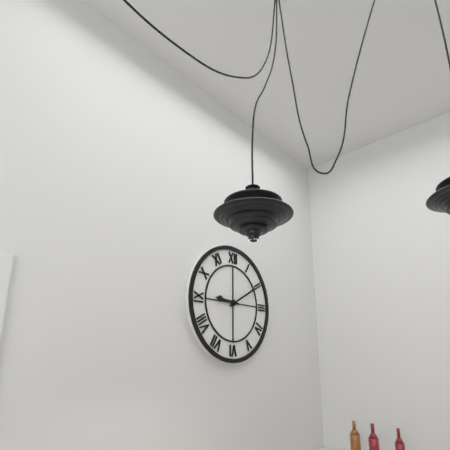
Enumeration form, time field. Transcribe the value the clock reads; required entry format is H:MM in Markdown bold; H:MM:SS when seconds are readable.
**9:10**
